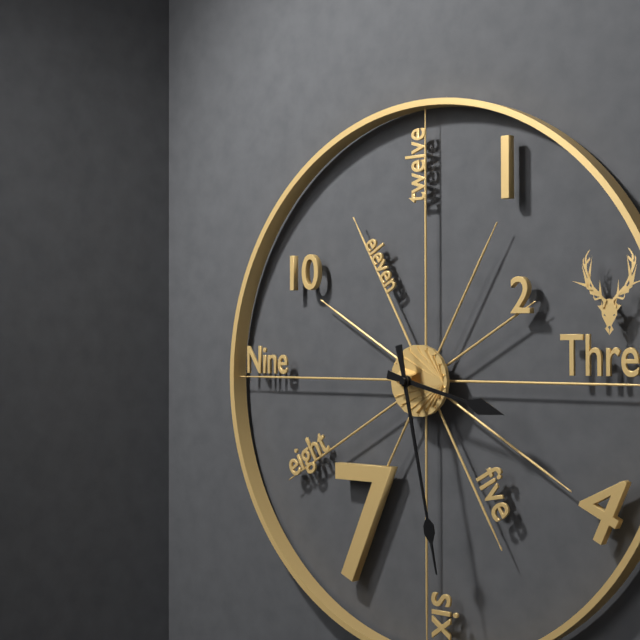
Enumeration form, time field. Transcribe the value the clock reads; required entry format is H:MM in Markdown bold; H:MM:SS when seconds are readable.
**3:28**
